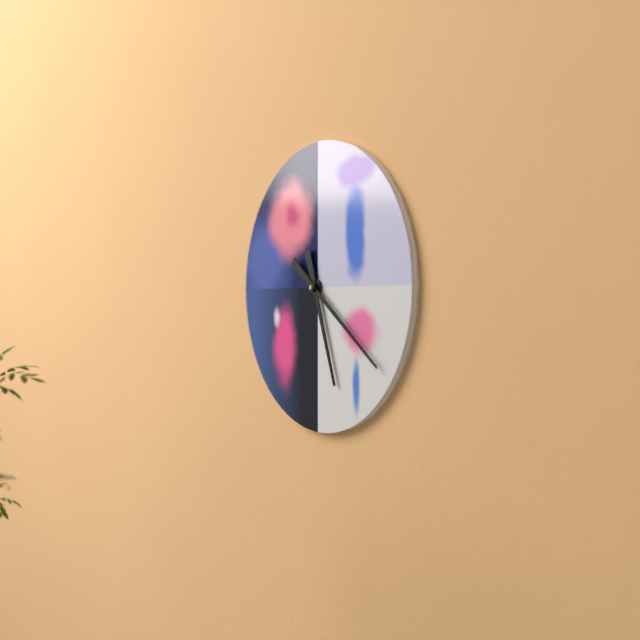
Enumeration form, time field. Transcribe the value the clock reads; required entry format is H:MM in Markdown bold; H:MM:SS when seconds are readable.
**5:21**
